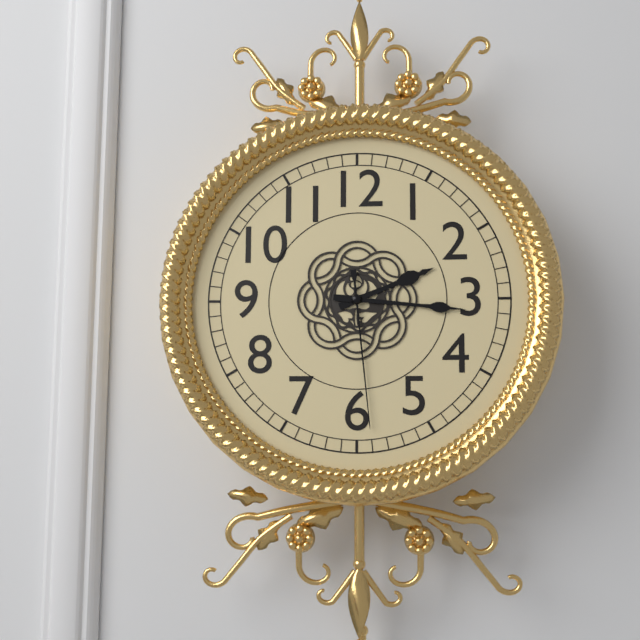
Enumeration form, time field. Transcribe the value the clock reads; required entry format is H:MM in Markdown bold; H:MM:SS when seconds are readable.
**2:16:29**
